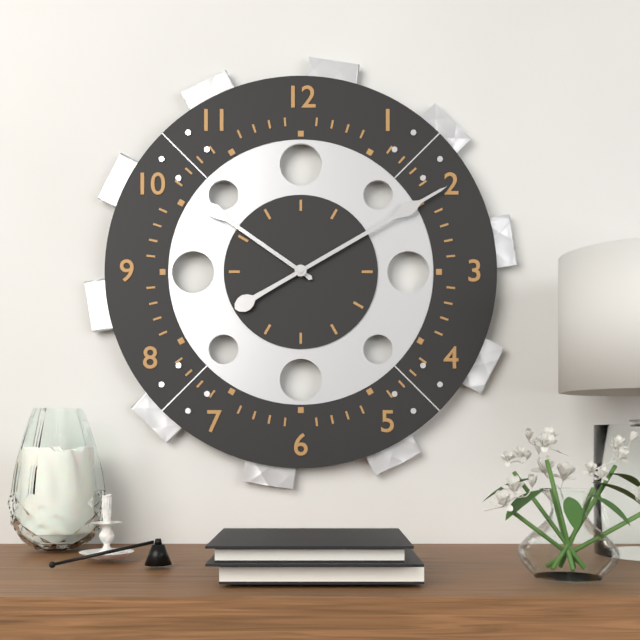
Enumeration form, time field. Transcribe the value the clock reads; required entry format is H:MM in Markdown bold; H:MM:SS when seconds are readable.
**10:10**
